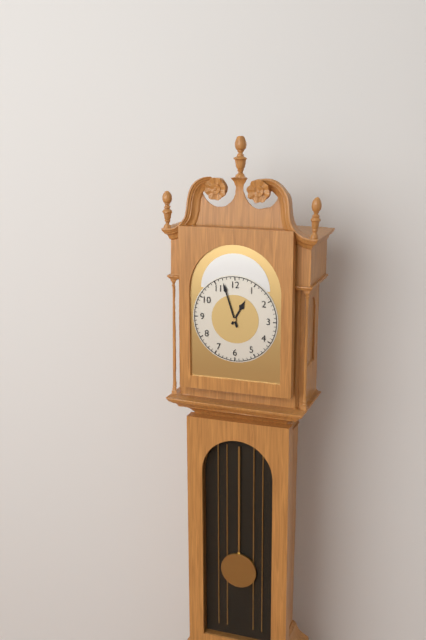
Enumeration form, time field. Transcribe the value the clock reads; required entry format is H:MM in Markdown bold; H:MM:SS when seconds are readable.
**12:57**
